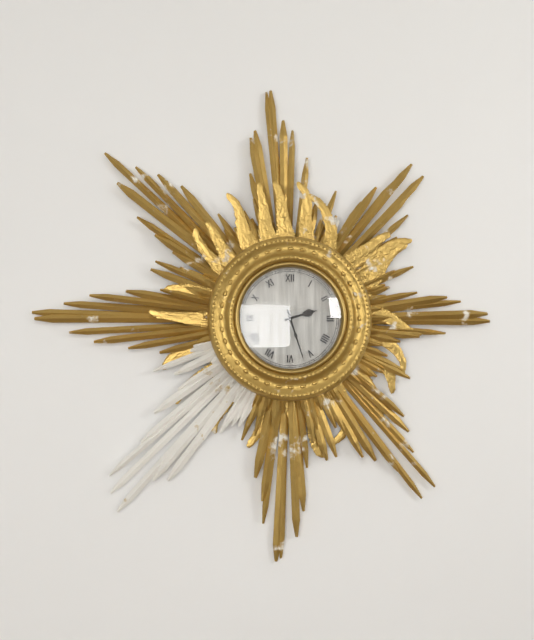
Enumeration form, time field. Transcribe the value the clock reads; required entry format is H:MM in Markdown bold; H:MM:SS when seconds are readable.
**2:27**
